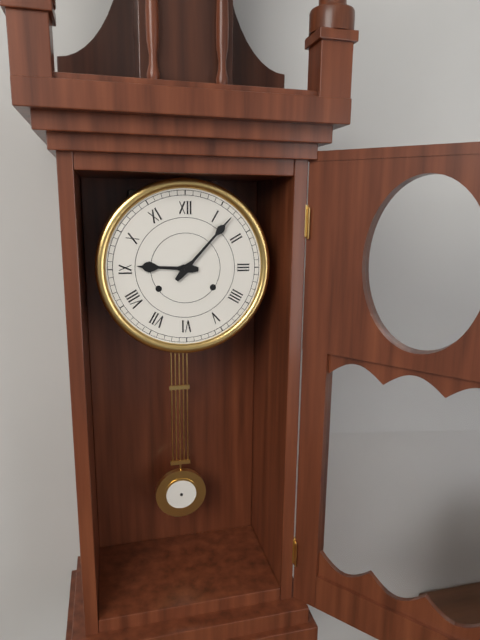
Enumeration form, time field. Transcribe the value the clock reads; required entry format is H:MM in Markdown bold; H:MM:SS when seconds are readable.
**9:07**
